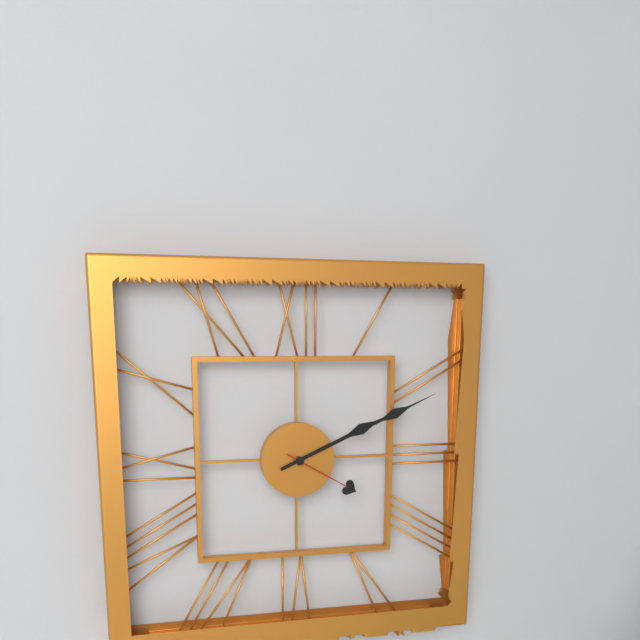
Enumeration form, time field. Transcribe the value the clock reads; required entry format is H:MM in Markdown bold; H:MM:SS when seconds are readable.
**2:11:20**
